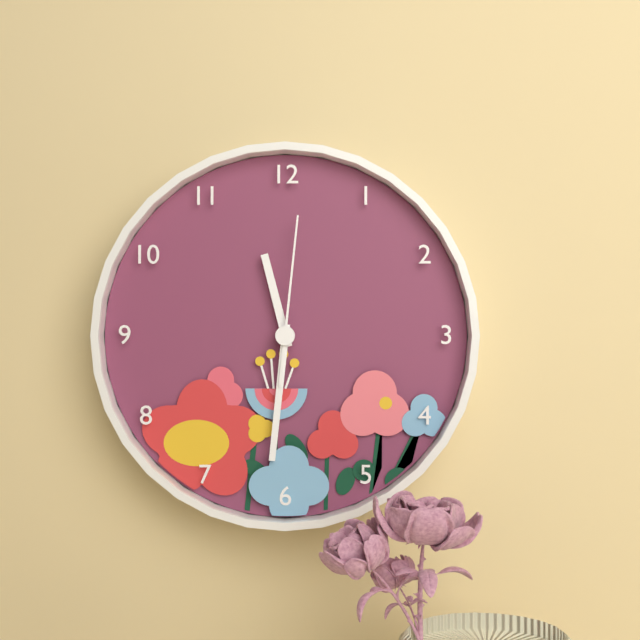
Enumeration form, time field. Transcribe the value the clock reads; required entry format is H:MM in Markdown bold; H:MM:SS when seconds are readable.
**11:31:01**
